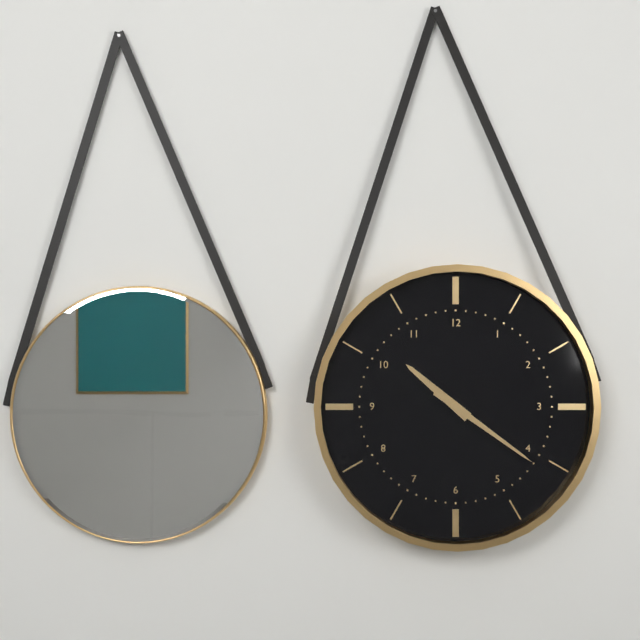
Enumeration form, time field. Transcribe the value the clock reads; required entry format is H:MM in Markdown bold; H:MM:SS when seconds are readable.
**10:21**
